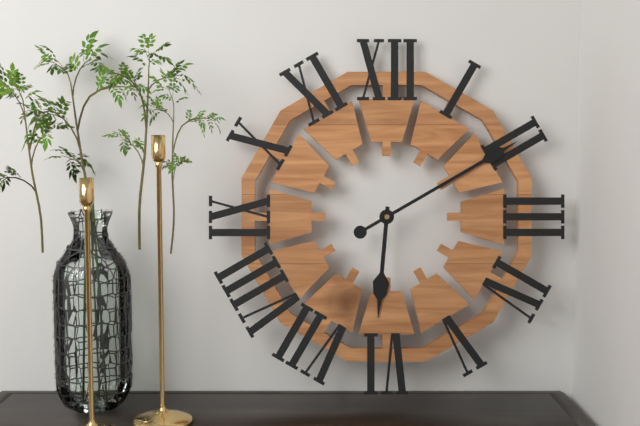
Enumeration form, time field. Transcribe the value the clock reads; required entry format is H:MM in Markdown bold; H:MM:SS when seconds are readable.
**6:10**
